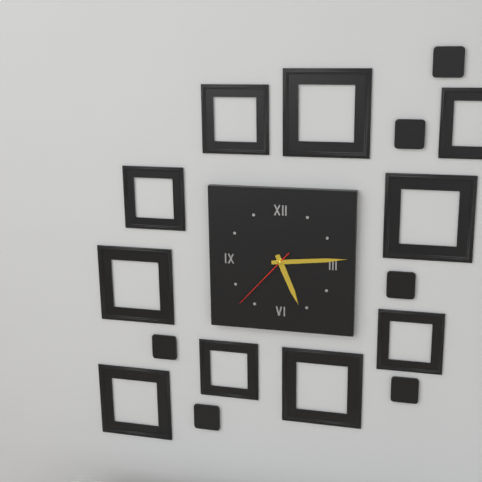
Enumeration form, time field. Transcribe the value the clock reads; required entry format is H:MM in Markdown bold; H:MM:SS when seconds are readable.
**5:14:37**
